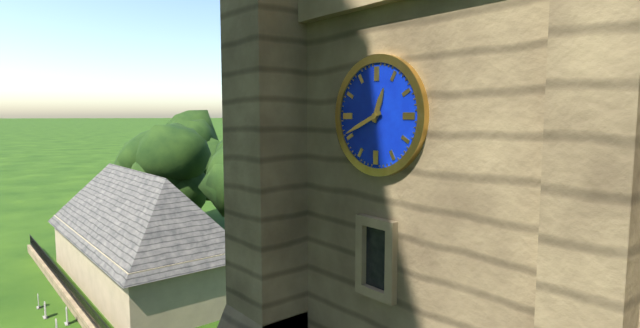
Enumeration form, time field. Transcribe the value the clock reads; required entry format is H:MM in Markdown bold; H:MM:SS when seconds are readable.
**12:41**
